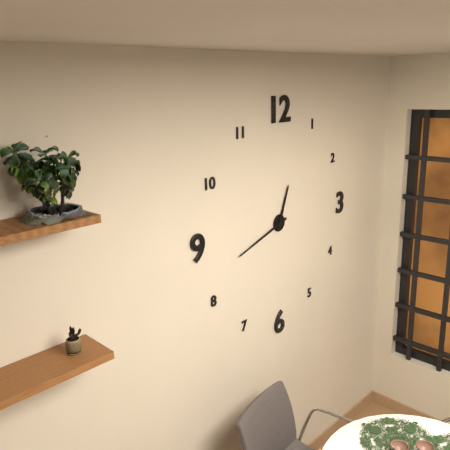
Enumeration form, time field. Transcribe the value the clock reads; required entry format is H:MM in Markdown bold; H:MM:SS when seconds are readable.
**12:42**
